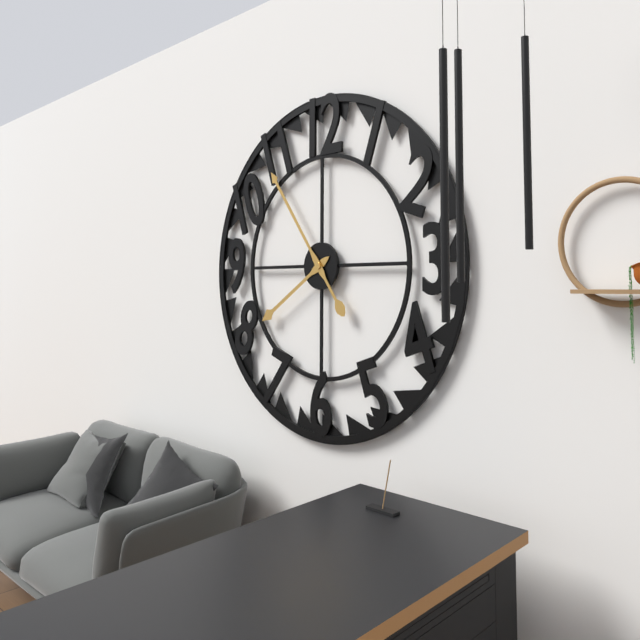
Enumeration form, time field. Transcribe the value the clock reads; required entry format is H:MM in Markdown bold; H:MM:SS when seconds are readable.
**7:54**
